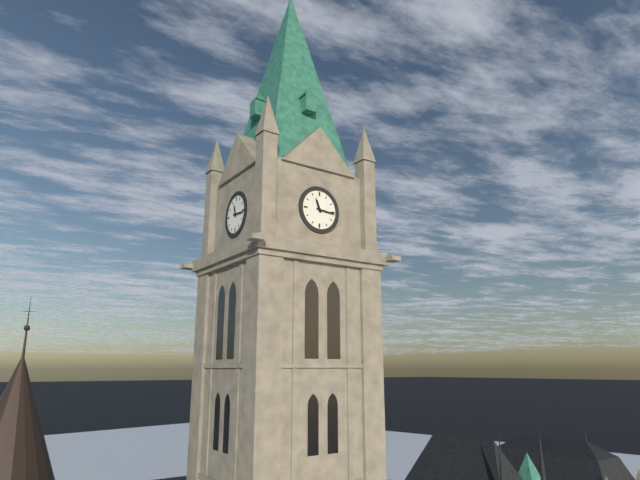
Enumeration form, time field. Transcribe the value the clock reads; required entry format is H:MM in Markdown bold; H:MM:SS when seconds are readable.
**11:16**
